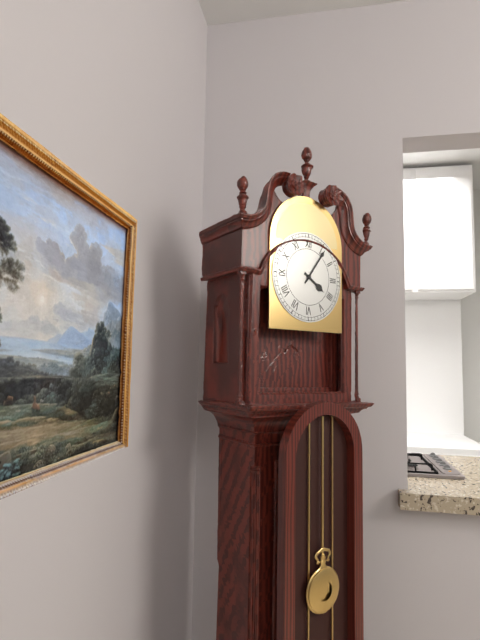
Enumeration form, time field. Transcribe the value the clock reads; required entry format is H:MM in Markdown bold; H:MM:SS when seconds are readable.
**4:06**
